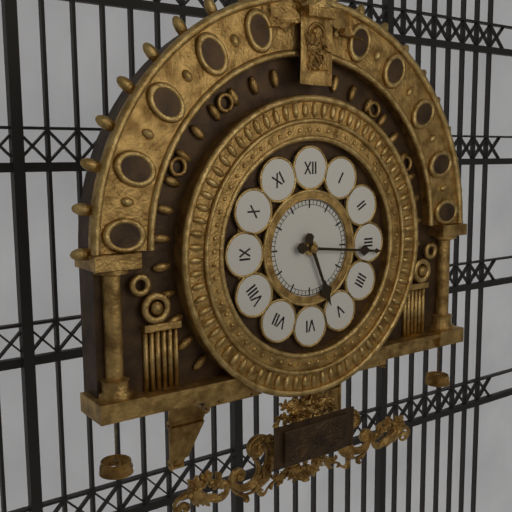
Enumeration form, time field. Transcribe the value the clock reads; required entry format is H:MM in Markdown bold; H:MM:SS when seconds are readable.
**5:16**
